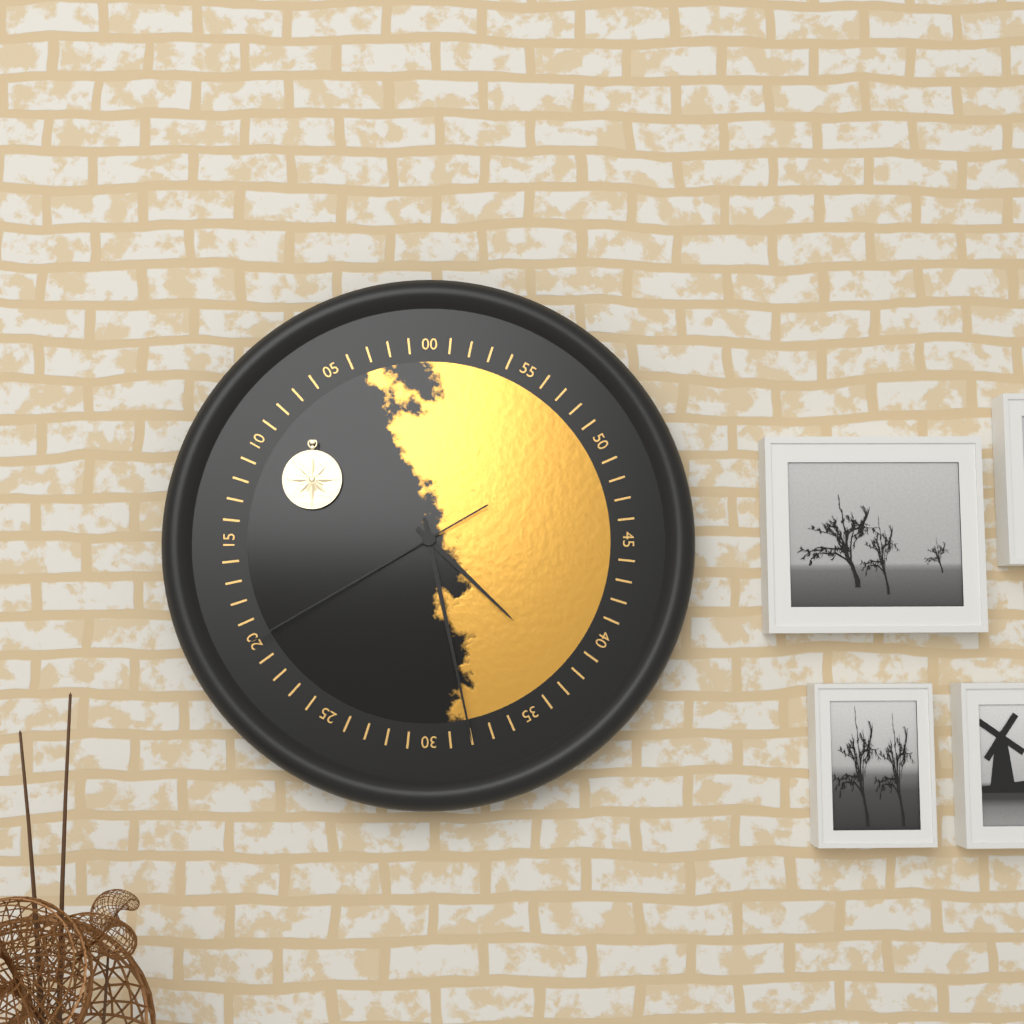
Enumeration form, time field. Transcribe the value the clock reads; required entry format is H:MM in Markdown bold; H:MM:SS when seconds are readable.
**4:28:40**
